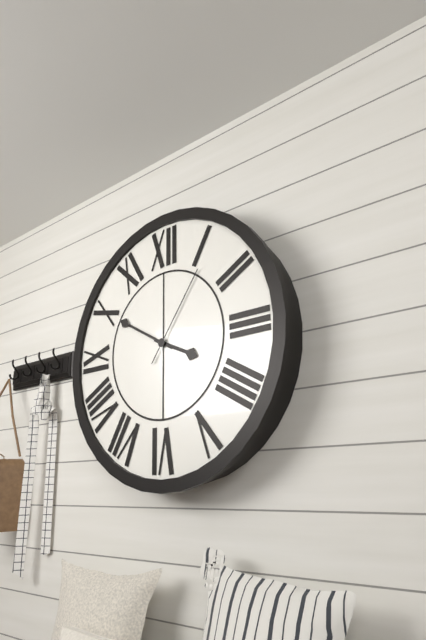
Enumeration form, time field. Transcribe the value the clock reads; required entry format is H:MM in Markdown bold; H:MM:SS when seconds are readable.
**3:50:06**
